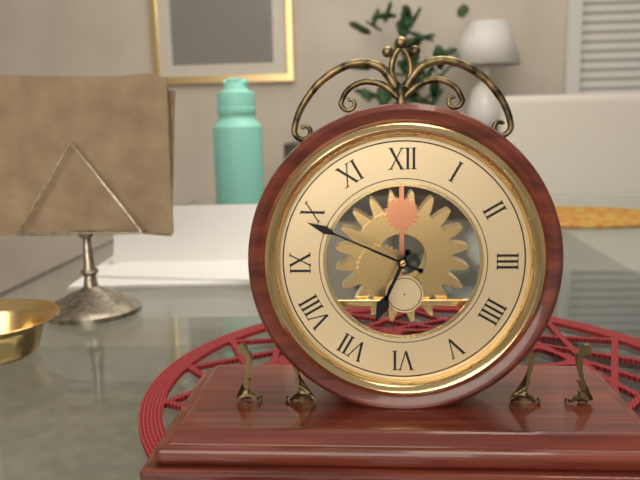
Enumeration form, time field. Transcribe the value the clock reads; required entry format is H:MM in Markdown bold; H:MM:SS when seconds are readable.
**6:49**
